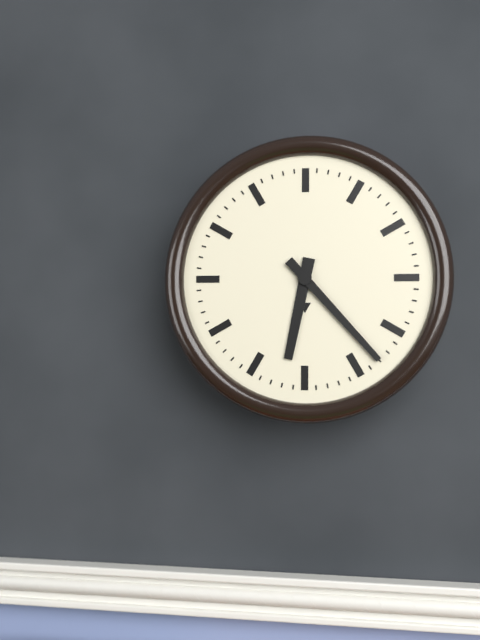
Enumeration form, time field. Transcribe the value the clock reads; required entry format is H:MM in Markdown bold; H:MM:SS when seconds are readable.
**6:23**
